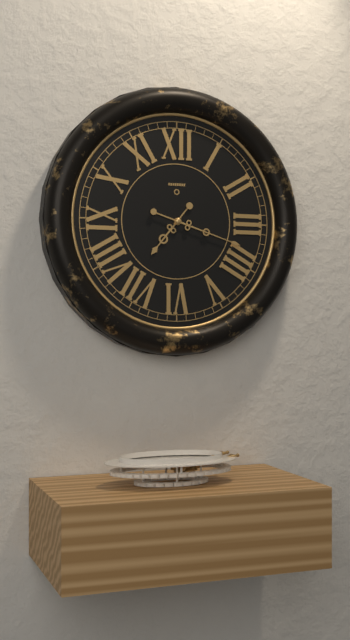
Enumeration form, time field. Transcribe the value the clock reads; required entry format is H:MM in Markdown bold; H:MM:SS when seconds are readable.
**7:18**
